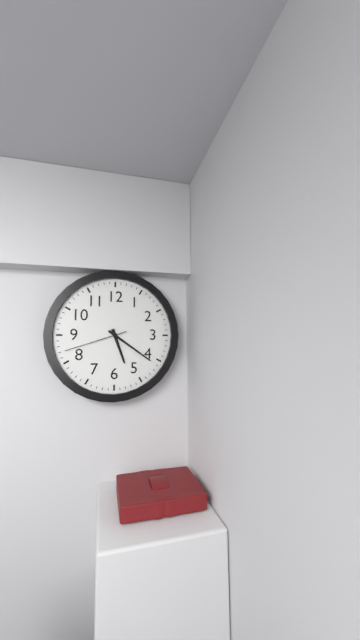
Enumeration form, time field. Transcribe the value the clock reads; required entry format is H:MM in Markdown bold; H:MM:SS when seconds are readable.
**5:21:42**
